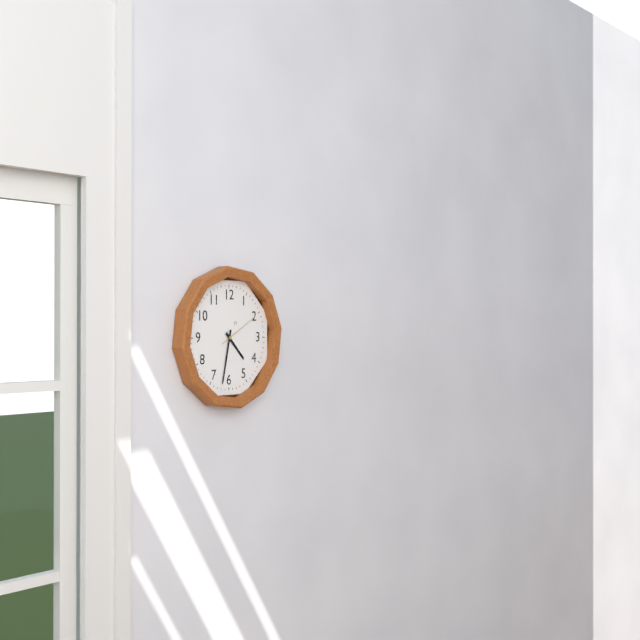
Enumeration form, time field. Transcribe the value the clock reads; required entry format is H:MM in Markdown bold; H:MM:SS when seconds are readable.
**4:32**
